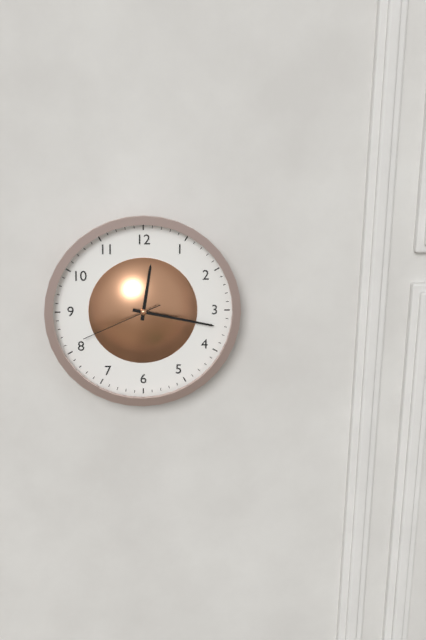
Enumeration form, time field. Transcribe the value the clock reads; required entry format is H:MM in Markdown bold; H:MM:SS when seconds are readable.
**12:17:41**
